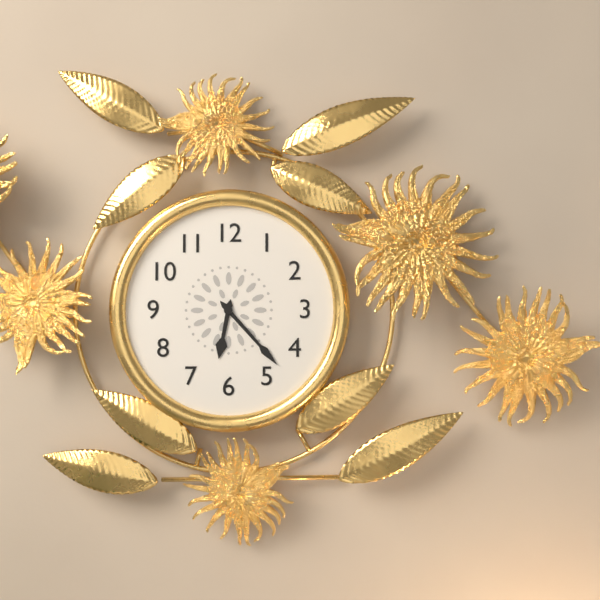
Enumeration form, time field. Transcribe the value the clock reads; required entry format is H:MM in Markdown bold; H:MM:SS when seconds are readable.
**6:23**
